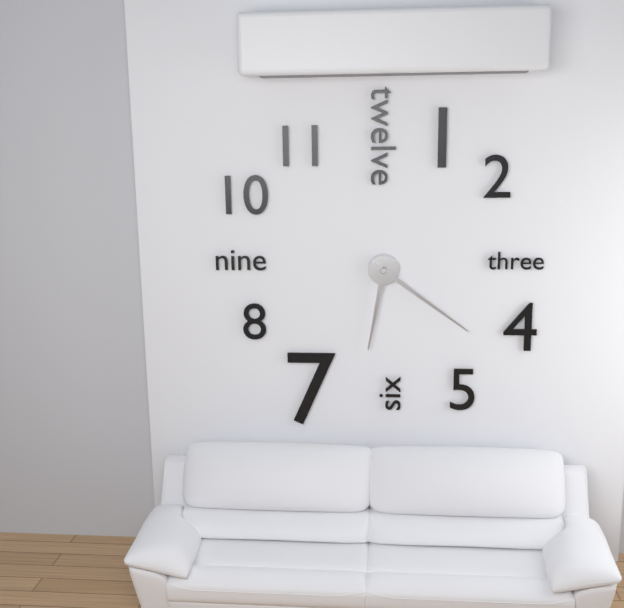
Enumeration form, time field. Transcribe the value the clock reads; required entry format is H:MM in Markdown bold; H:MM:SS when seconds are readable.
**6:21**
